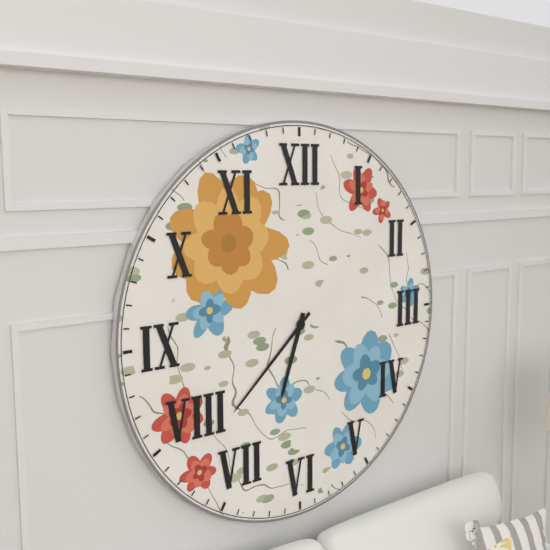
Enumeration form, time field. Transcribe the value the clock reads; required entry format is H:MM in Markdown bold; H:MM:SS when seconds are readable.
**6:38**
